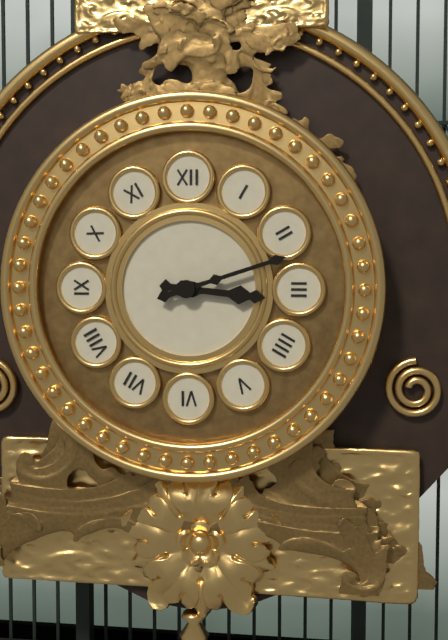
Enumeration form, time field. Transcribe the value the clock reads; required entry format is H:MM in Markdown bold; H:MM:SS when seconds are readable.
**3:12**
